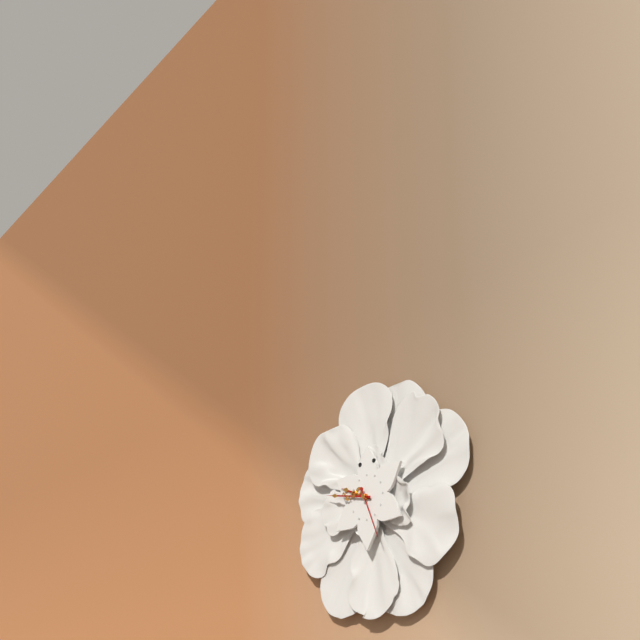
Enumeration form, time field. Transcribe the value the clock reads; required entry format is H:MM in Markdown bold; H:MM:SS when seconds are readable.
**9:47:26**
